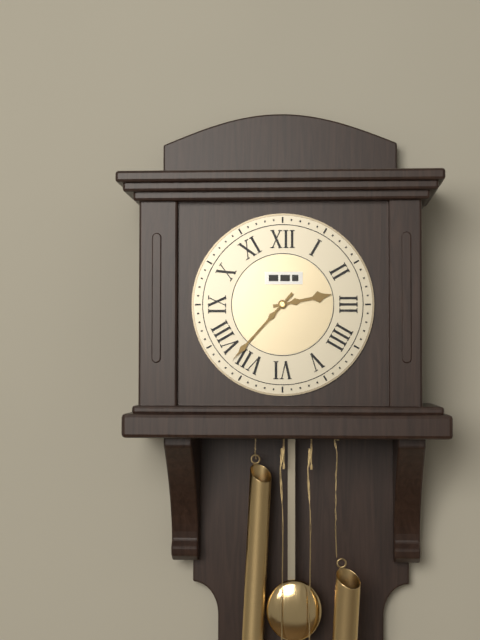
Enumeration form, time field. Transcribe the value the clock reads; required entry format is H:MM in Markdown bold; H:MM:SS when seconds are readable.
**2:37**
